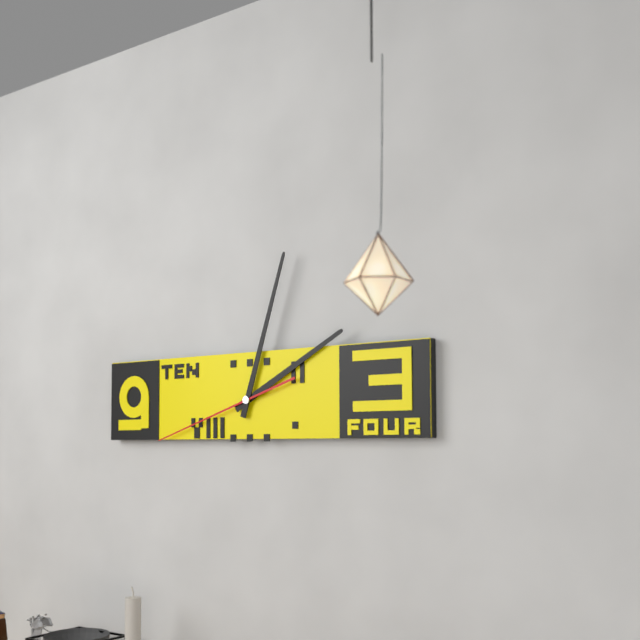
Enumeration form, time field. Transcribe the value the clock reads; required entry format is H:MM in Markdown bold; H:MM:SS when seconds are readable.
**2:03:42**
